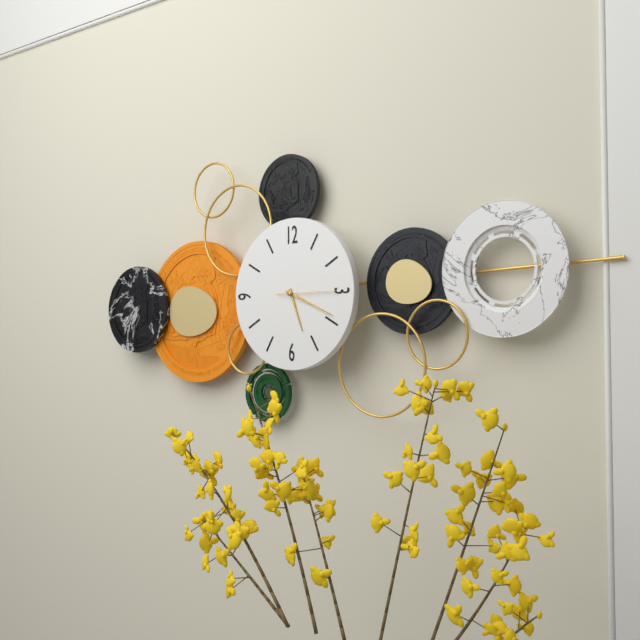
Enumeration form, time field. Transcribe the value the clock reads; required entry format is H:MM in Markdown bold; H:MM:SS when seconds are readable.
**5:19:15**
